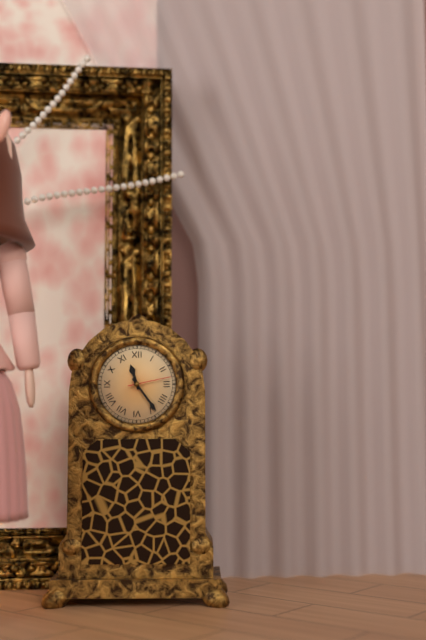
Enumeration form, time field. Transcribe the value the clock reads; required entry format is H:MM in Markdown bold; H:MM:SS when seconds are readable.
**11:24**
